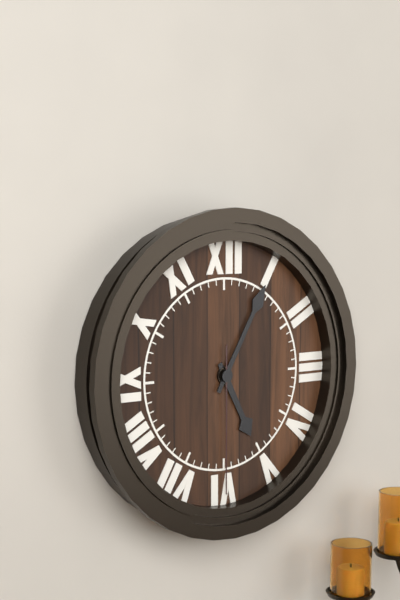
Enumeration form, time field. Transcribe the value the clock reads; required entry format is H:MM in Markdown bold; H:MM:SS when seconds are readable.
**5:05:30**
